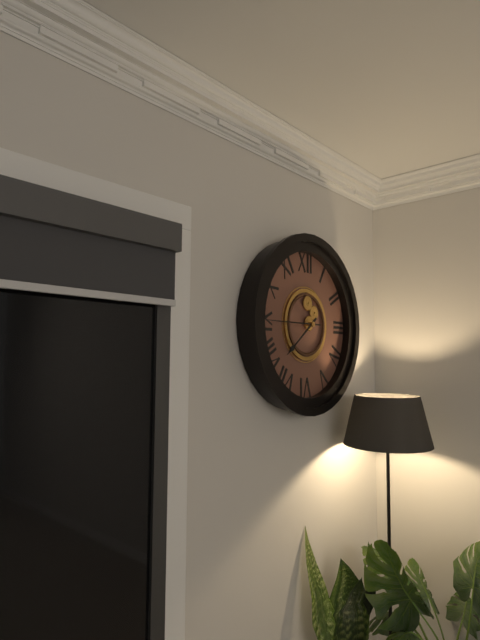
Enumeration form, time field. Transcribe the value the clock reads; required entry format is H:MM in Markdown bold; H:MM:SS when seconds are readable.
**7:45**
